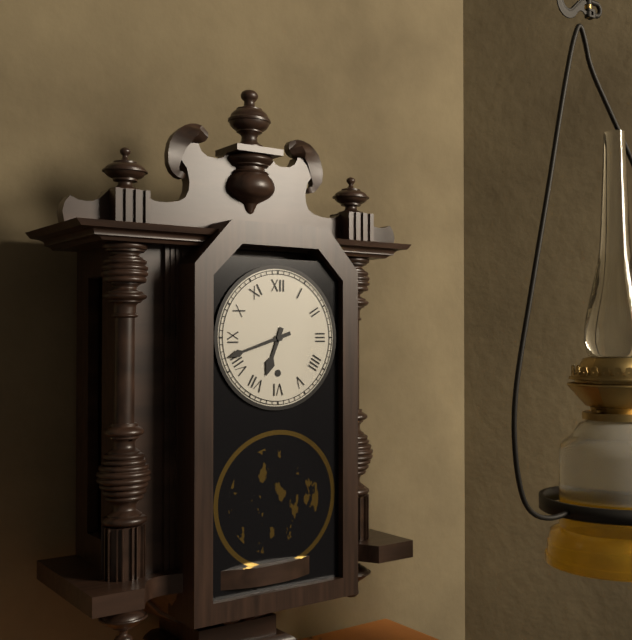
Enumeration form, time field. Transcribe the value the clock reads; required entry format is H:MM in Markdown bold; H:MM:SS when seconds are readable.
**6:42**
